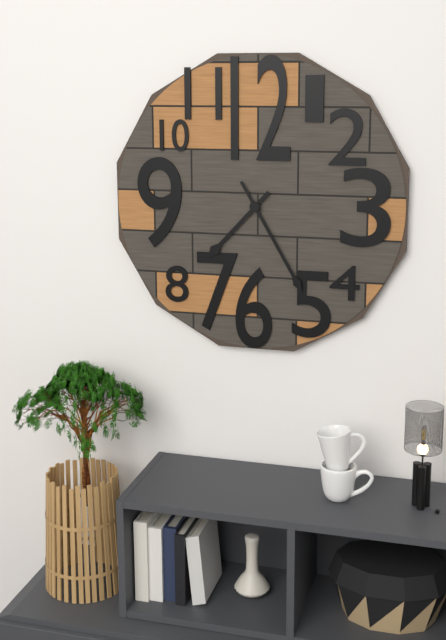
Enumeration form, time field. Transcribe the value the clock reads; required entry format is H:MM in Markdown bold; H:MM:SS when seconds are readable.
**7:25**
